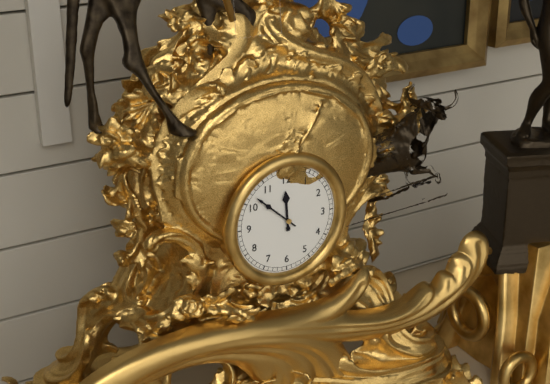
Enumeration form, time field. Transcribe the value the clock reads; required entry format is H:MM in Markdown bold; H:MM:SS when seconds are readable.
**11:52**
